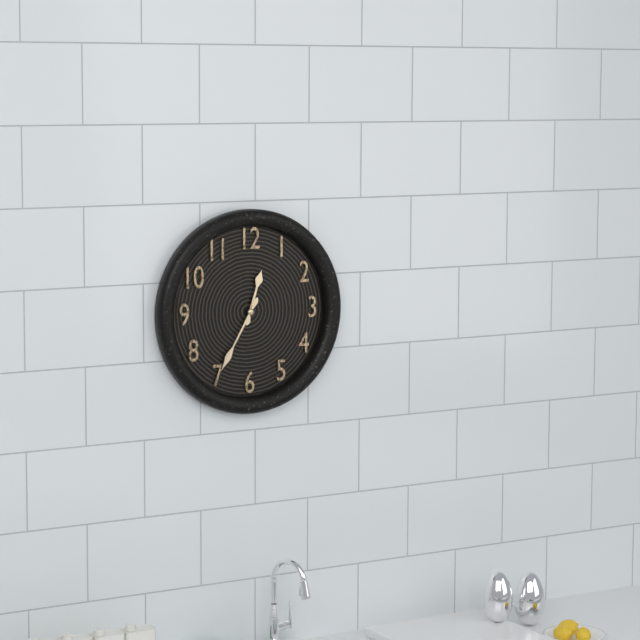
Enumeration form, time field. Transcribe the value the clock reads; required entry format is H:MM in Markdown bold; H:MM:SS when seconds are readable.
**12:35**
